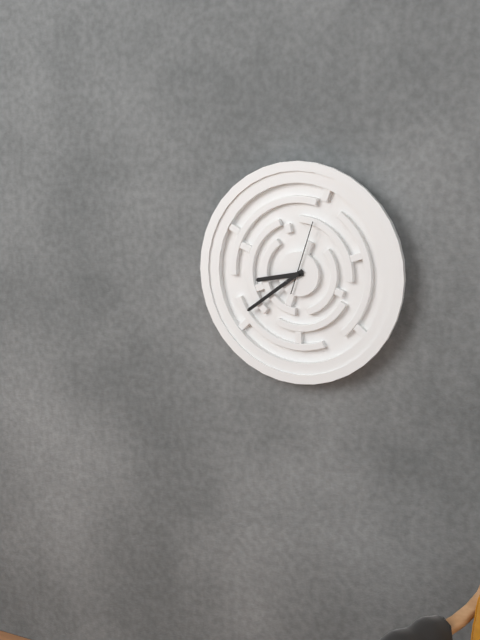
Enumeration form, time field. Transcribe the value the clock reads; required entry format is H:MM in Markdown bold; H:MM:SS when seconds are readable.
**8:39:03**
